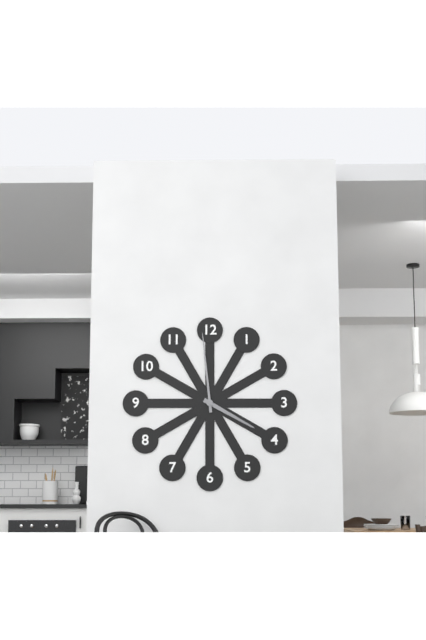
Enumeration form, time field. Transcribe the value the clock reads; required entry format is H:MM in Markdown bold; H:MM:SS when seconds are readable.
**3:59**
